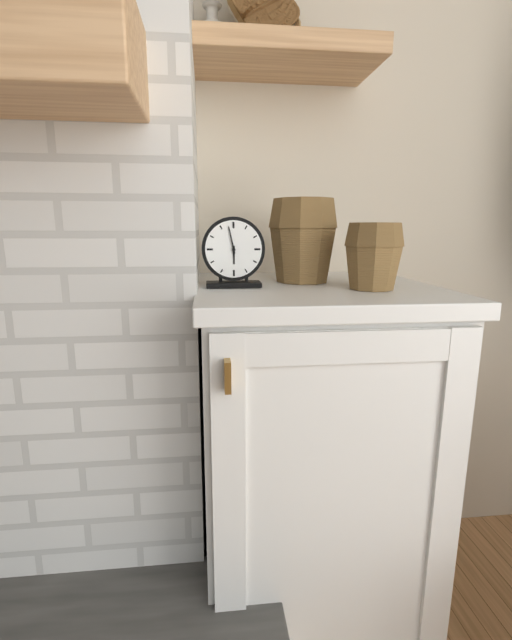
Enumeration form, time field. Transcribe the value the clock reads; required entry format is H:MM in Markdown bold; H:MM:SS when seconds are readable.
**5:58**
